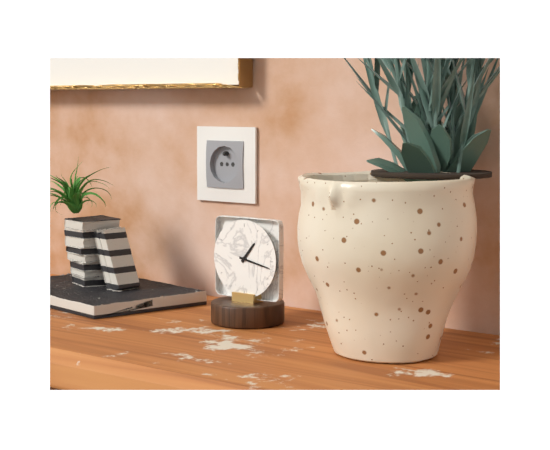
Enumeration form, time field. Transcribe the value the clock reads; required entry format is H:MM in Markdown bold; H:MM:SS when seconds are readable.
**1:17**
